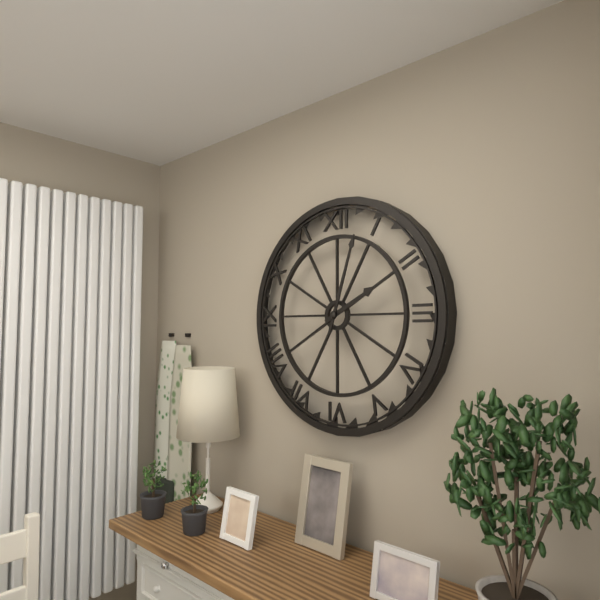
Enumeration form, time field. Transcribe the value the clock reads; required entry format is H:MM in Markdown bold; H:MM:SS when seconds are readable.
**2:03**
